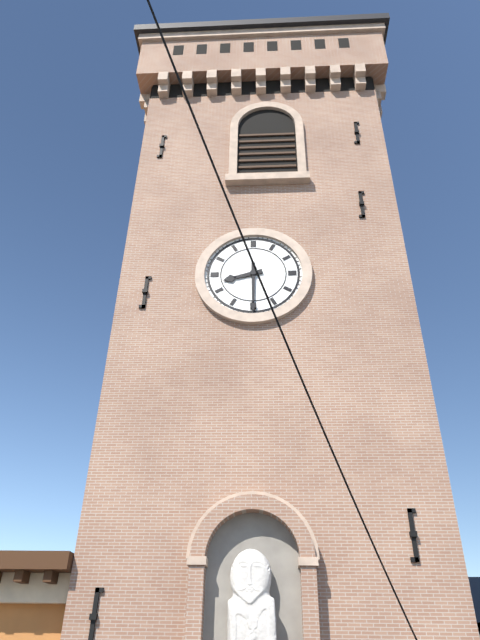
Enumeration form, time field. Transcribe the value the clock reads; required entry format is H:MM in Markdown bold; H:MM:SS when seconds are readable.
**8:30**
